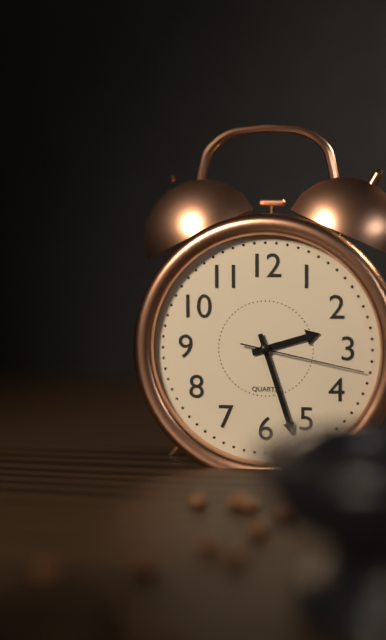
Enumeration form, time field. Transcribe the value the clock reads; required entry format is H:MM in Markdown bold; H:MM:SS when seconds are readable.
**2:27:17**
